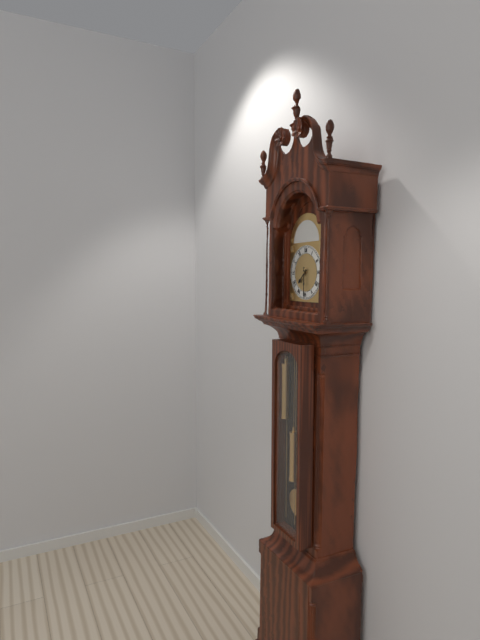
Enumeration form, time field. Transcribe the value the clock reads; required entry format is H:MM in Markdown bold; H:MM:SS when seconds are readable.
**7:30**
